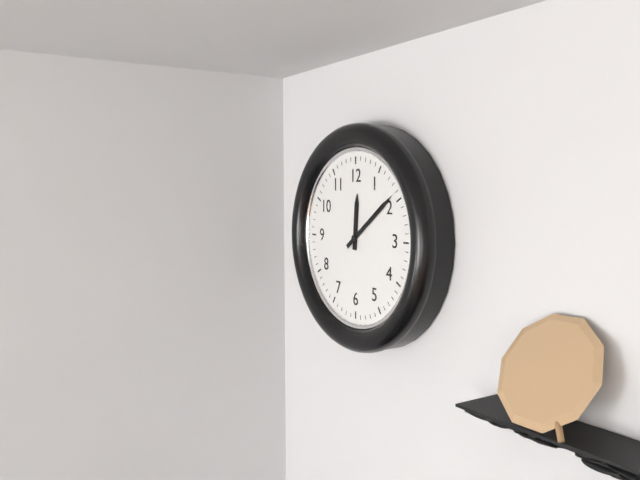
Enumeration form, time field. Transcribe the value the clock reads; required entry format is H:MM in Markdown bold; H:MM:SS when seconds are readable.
**12:09**
